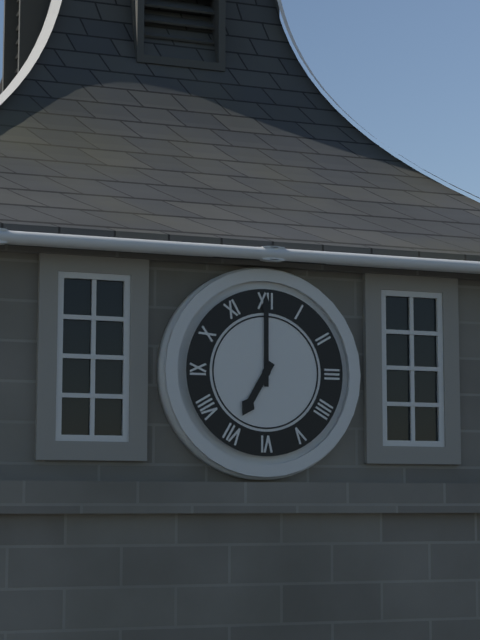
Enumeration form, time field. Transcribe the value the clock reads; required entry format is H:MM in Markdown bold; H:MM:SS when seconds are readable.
**7:00**
